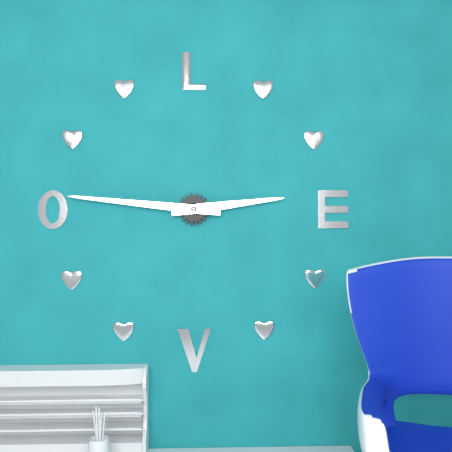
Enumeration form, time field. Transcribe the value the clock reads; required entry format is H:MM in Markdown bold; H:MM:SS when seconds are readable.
**2:46**
